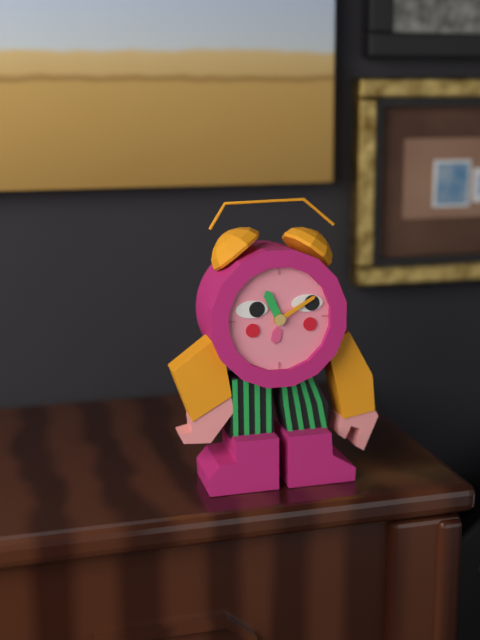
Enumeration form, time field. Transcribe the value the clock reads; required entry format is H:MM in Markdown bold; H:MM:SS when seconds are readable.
**11:10**
